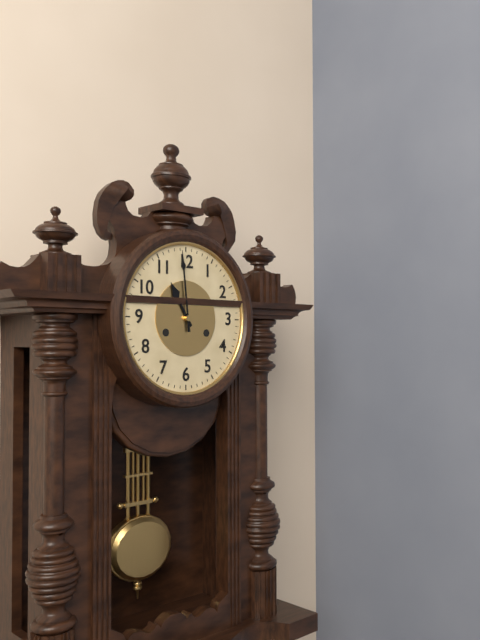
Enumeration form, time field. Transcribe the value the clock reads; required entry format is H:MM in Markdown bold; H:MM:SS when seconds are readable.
**10:59**
